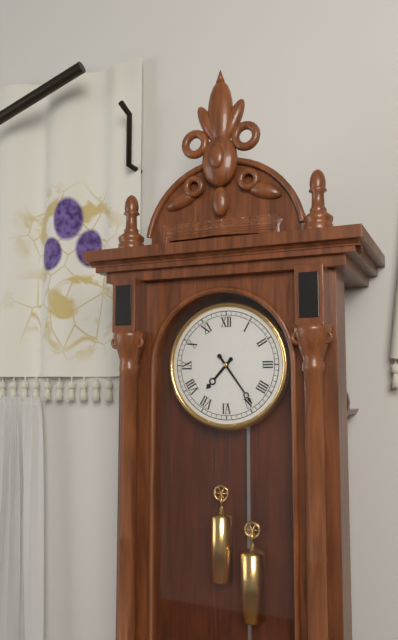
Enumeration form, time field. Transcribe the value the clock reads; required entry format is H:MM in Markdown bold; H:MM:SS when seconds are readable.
**7:24**
